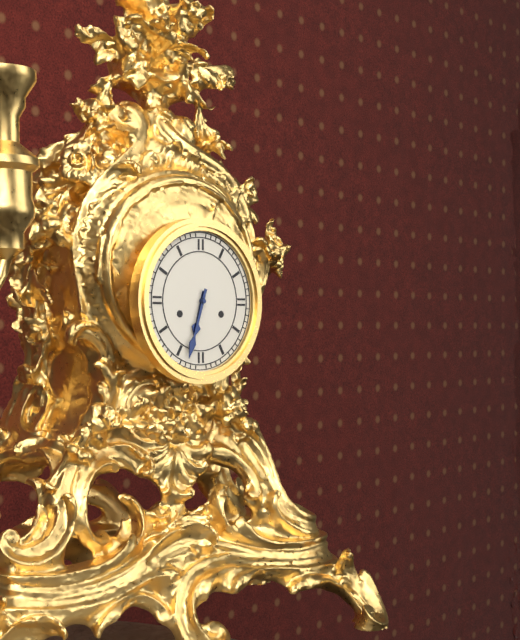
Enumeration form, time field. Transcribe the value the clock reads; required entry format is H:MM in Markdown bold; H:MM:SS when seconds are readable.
**6:33**
